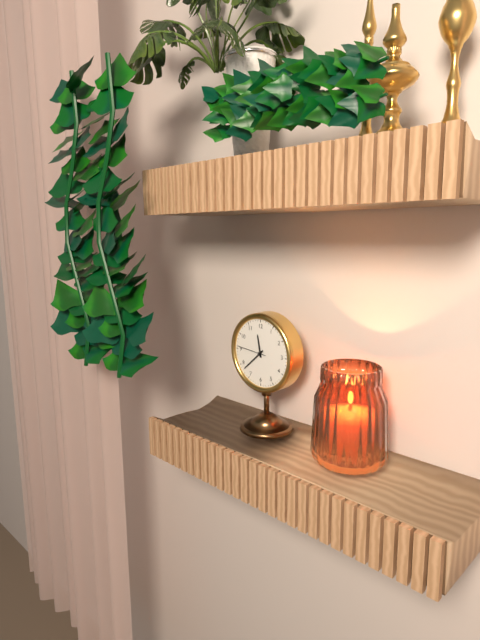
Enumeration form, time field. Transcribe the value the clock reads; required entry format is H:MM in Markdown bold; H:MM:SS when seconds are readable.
**11:38**
